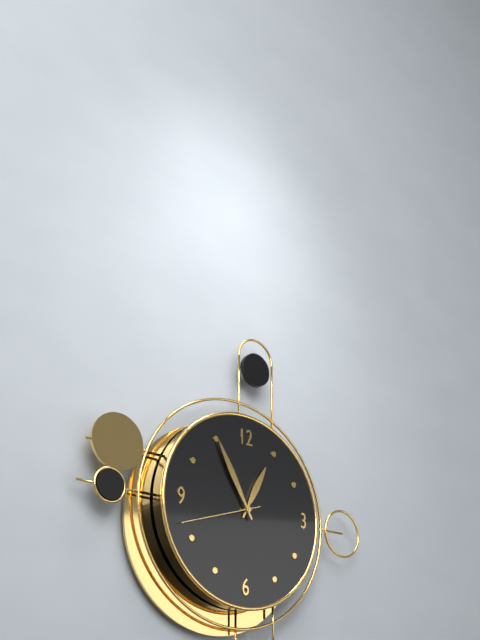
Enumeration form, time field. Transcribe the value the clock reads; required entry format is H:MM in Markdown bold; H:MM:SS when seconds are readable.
**12:55:42**
